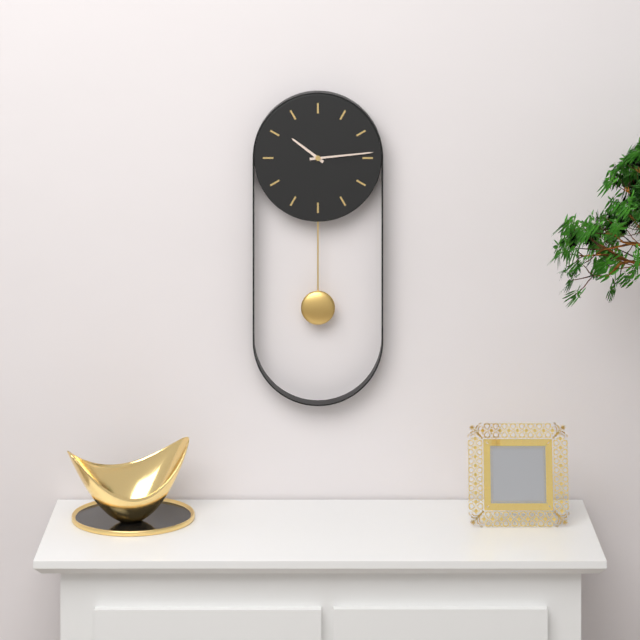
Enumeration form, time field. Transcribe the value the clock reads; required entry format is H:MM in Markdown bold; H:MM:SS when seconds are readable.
**10:14**
